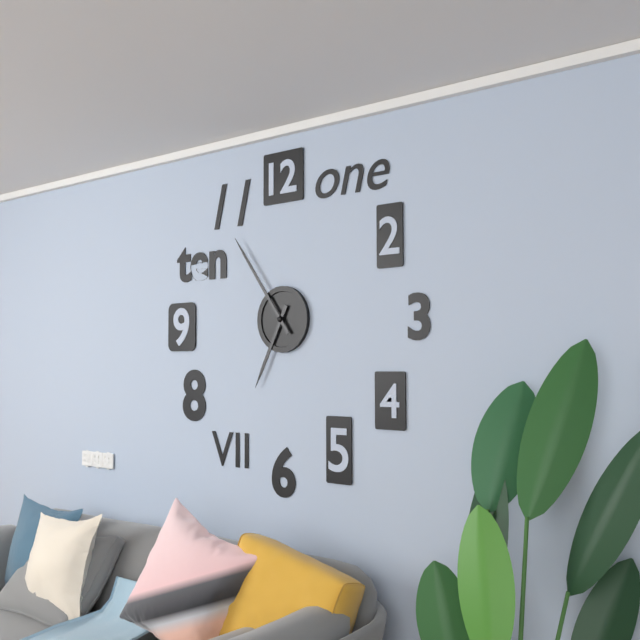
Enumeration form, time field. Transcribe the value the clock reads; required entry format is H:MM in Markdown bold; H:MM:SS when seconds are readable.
**6:54**
